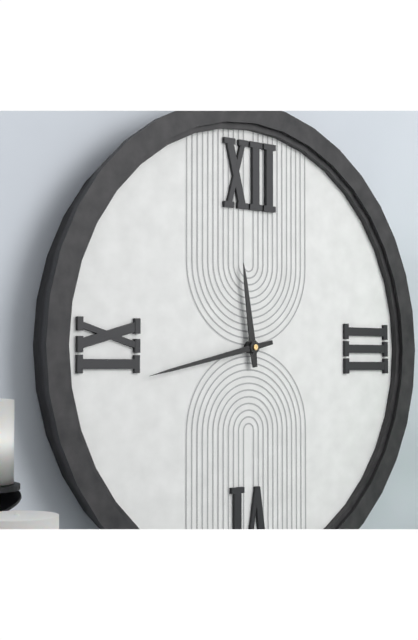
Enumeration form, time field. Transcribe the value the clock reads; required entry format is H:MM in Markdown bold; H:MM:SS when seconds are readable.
**11:43**
